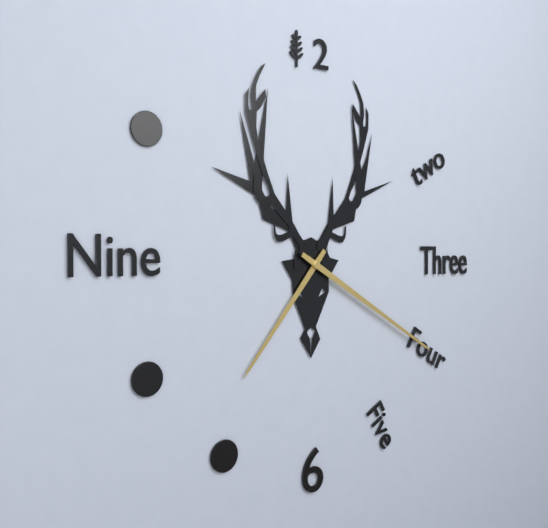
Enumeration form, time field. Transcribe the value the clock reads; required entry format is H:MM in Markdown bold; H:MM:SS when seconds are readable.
**7:20**
